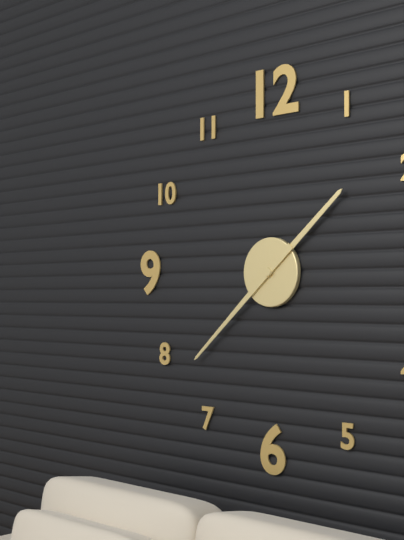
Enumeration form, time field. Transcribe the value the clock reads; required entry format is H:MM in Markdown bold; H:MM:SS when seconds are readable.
**1:38**
